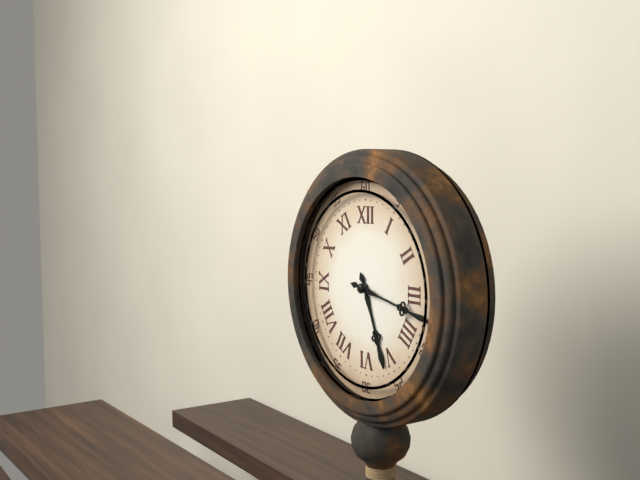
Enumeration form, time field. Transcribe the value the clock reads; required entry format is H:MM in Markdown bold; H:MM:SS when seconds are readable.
**5:17**
